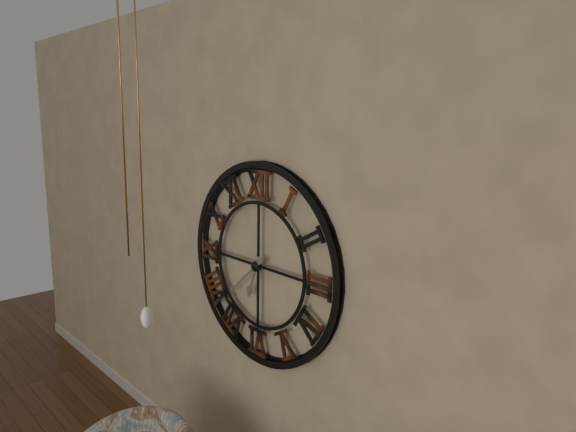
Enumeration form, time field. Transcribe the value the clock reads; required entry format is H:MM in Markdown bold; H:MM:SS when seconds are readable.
**6:38**
